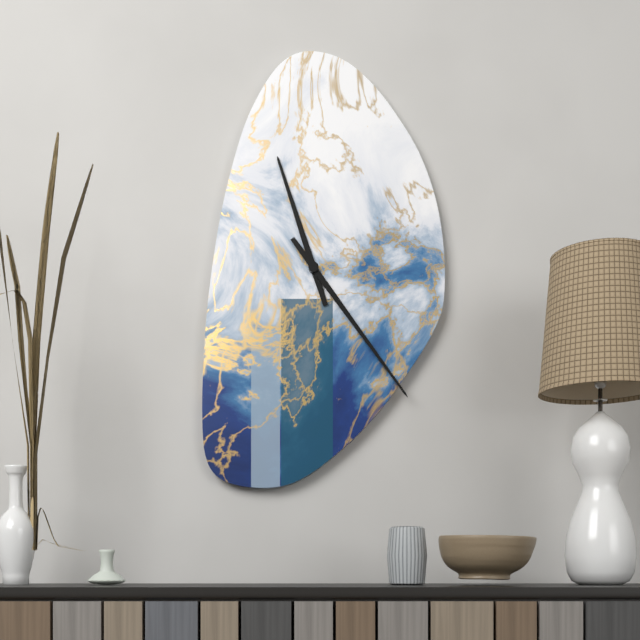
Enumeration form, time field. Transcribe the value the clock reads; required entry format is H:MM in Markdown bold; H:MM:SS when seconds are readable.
**11:24**
